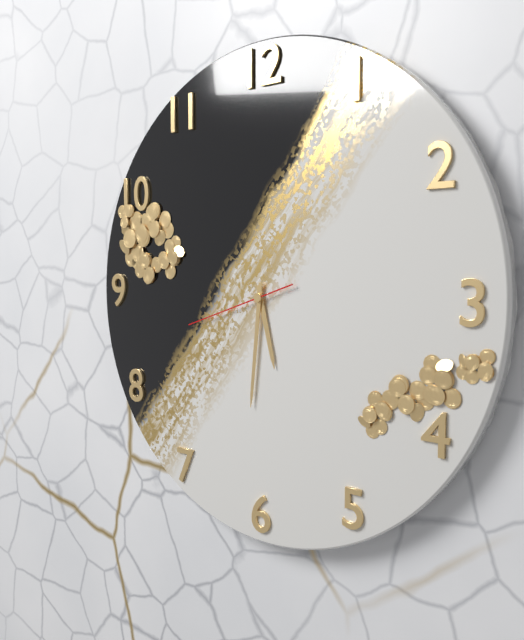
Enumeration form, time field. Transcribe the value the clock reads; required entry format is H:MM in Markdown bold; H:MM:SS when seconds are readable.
**5:31:42**
